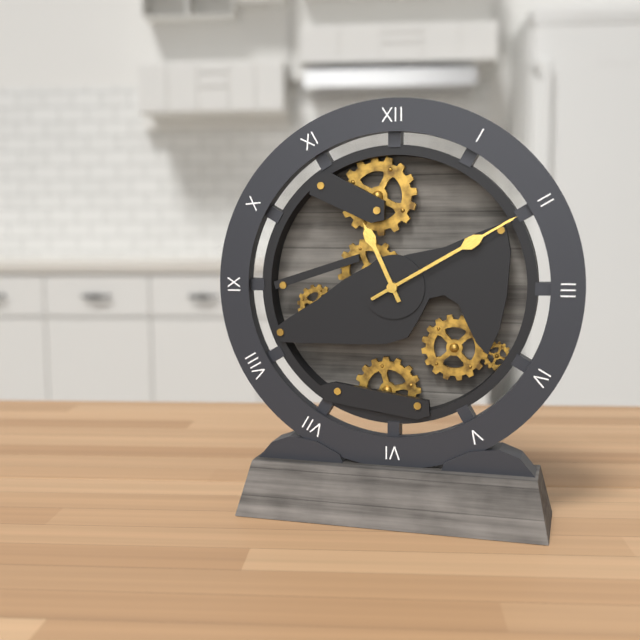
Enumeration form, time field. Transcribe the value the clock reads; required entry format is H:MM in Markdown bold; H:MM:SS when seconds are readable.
**11:10**
